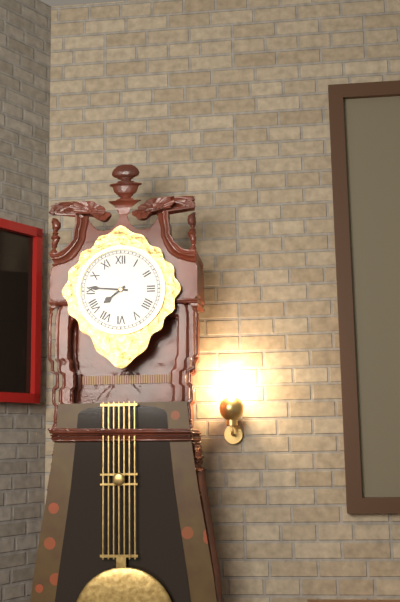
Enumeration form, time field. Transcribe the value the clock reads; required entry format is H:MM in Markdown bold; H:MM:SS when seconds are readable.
**7:46**
